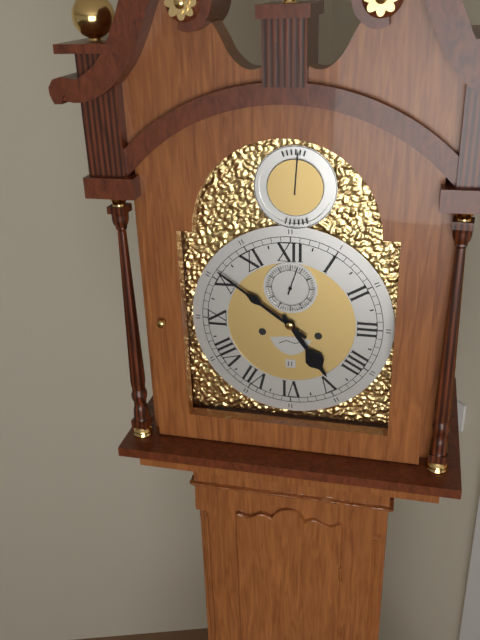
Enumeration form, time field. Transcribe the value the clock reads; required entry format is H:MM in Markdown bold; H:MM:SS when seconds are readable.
**4:51**
